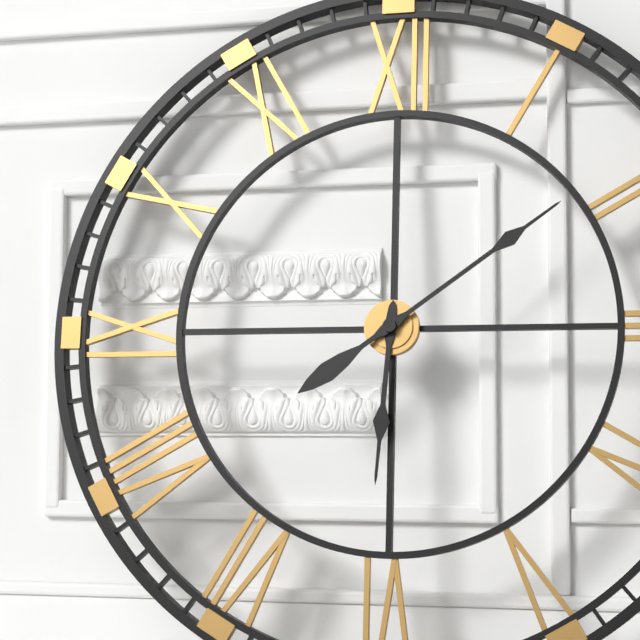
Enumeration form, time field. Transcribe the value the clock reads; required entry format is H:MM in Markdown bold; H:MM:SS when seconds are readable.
**6:09**
